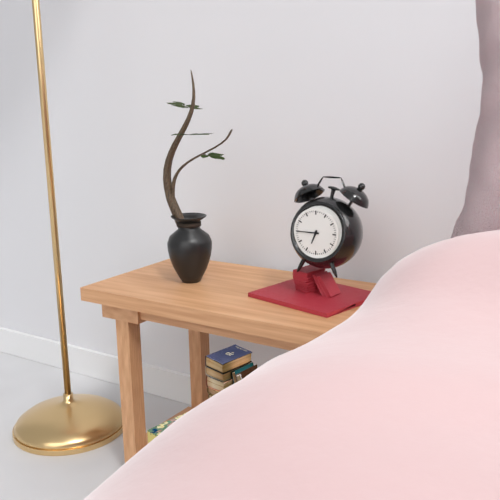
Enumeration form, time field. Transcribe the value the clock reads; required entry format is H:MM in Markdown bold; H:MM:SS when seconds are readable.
**6:45**
